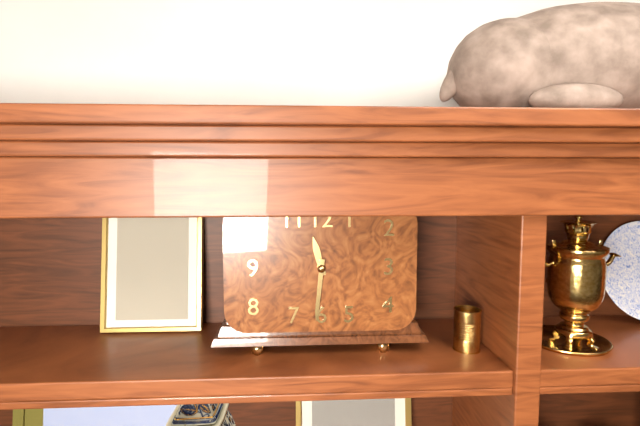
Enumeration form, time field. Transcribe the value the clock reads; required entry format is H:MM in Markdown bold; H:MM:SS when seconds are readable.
**11:31**
